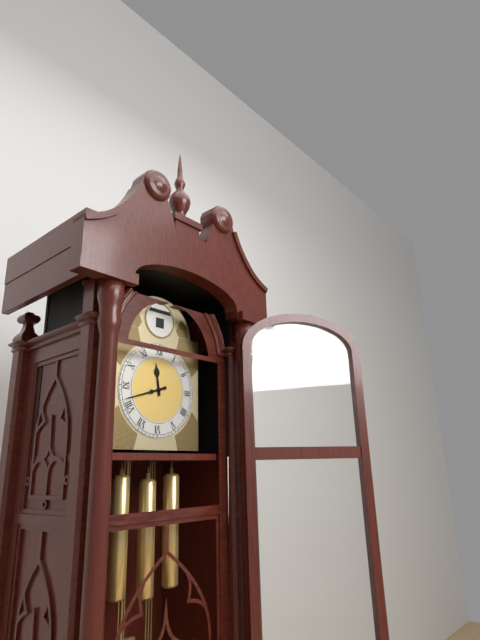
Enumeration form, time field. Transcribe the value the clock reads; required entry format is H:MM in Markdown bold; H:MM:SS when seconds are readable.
**11:42**
